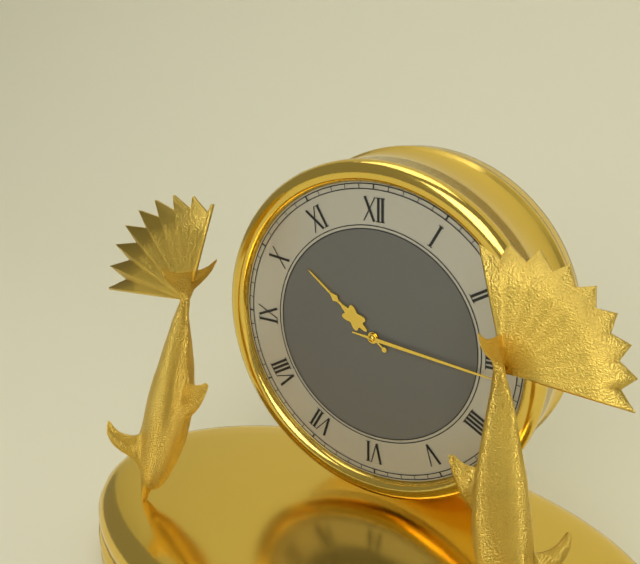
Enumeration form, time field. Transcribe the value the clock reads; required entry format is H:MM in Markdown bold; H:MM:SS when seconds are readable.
**10:16**
